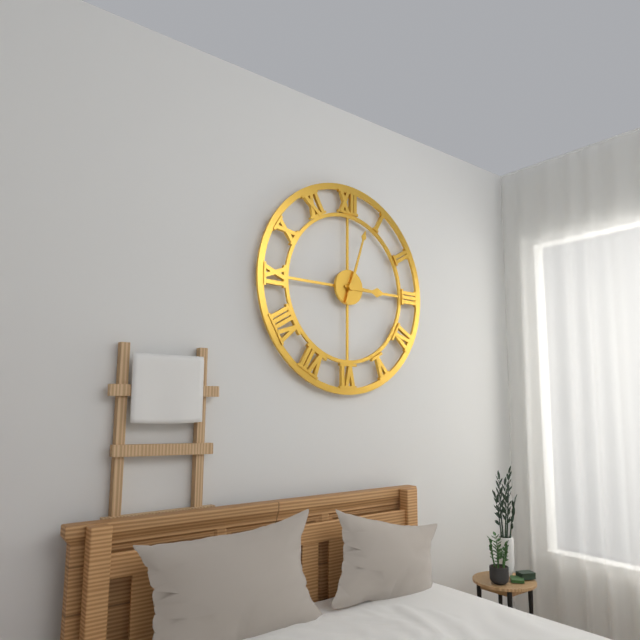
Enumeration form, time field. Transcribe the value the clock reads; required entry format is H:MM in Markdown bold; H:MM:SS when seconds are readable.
**3:03**
